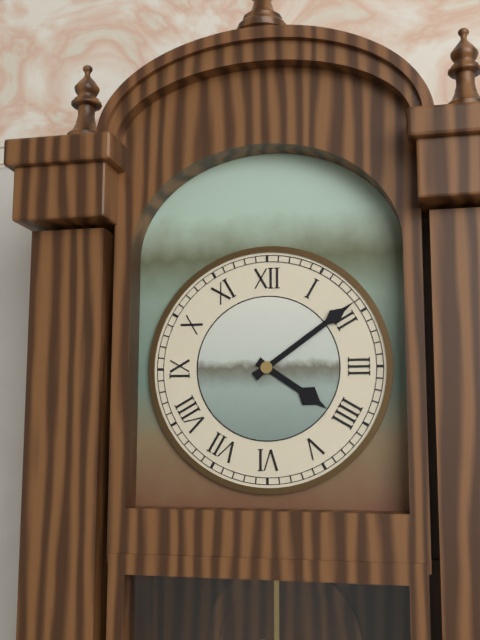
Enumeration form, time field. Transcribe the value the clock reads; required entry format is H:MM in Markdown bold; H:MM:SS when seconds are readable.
**4:09**
